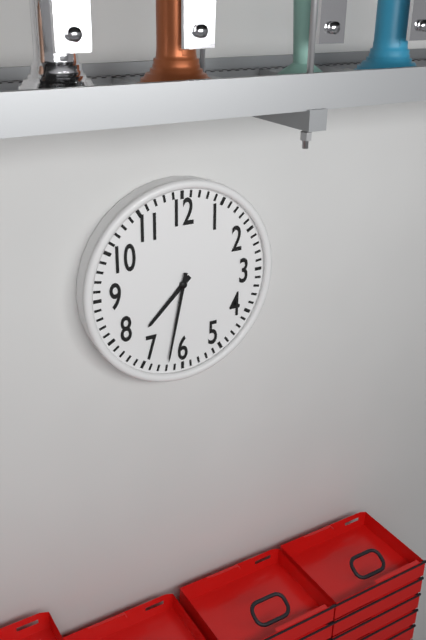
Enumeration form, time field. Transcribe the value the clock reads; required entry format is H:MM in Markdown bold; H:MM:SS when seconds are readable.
**7:32**
